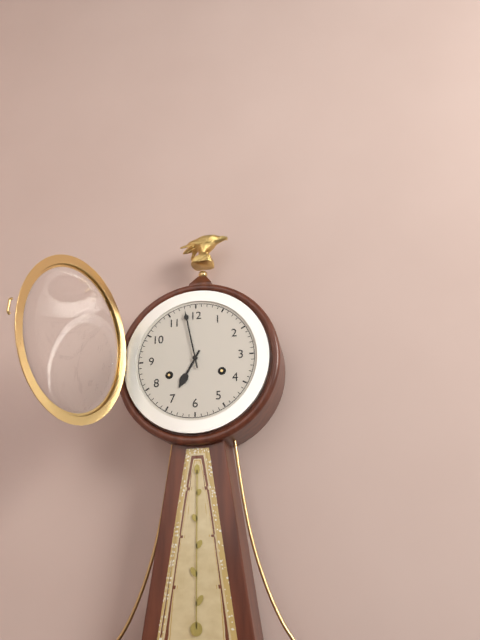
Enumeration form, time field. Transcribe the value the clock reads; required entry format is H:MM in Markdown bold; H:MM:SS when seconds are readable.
**6:58**
